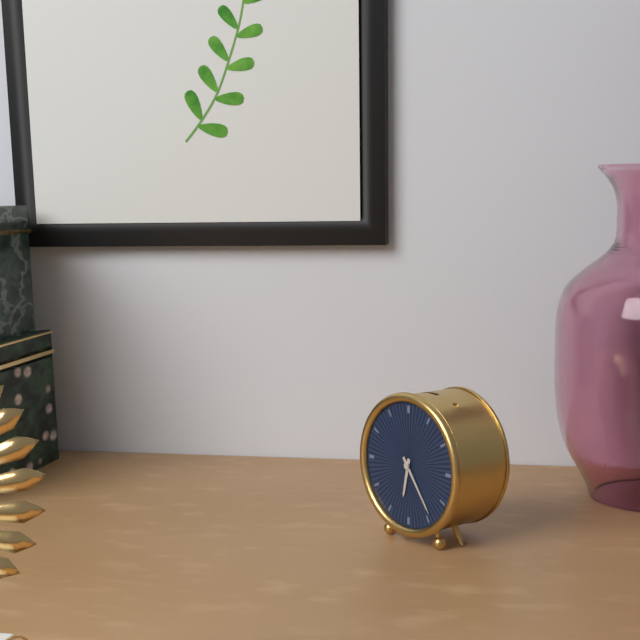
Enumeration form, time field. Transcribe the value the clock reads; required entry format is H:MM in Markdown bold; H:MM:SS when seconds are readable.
**6:24**
